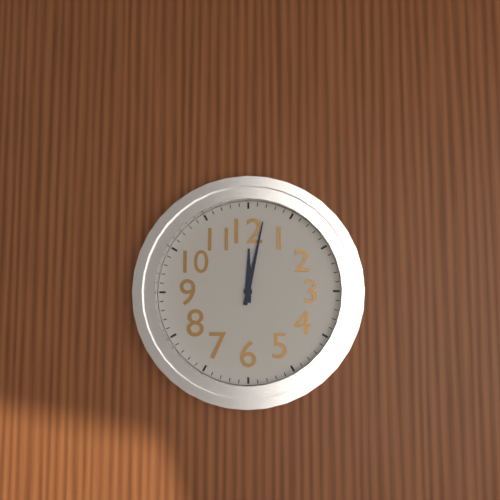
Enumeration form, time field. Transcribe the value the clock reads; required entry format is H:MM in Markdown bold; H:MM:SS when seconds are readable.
**12:02**
